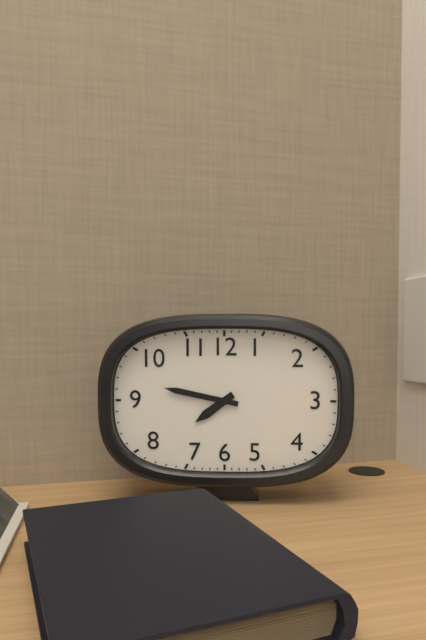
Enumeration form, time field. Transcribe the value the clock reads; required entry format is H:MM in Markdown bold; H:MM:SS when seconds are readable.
**7:47**
